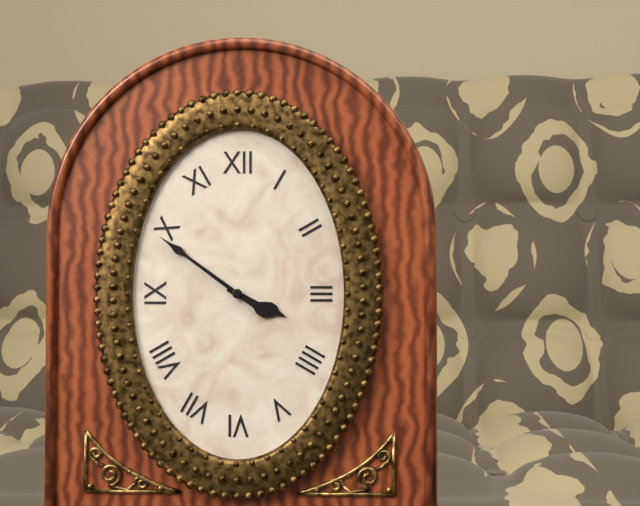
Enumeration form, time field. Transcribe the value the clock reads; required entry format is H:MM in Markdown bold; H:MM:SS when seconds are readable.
**3:51**
